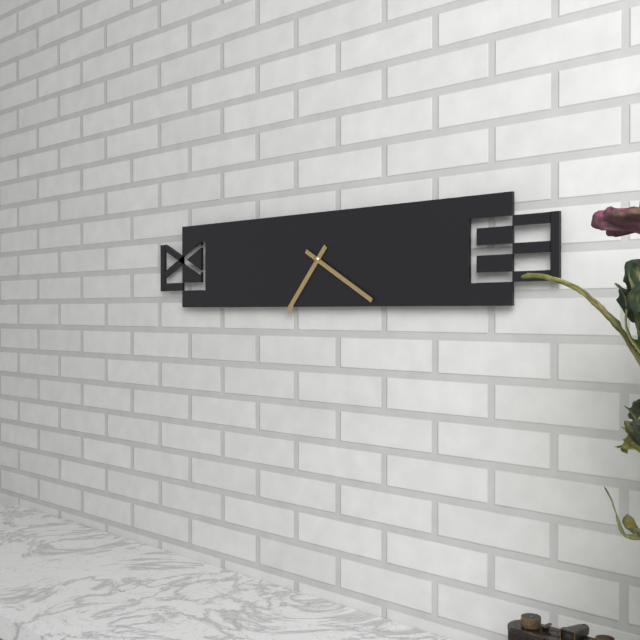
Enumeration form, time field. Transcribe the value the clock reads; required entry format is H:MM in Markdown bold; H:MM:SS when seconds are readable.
**7:20**
